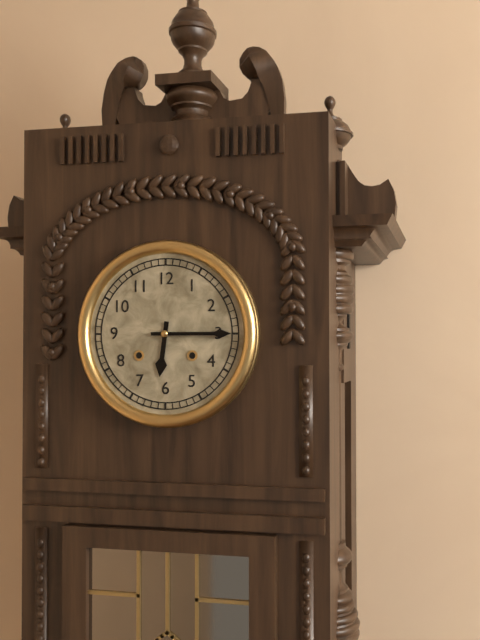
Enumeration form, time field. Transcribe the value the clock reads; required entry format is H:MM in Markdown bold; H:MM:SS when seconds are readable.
**6:15**
